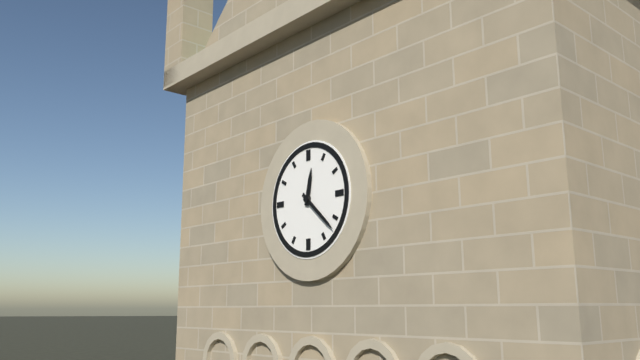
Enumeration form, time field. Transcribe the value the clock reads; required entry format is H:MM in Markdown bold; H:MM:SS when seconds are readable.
**12:22**
